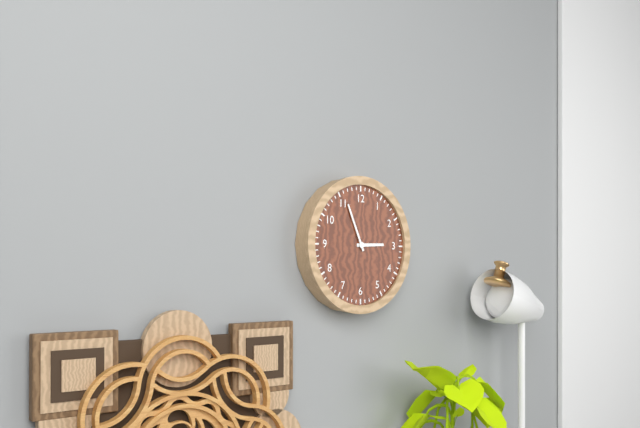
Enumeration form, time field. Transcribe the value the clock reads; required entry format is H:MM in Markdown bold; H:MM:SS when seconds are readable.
**2:56**
